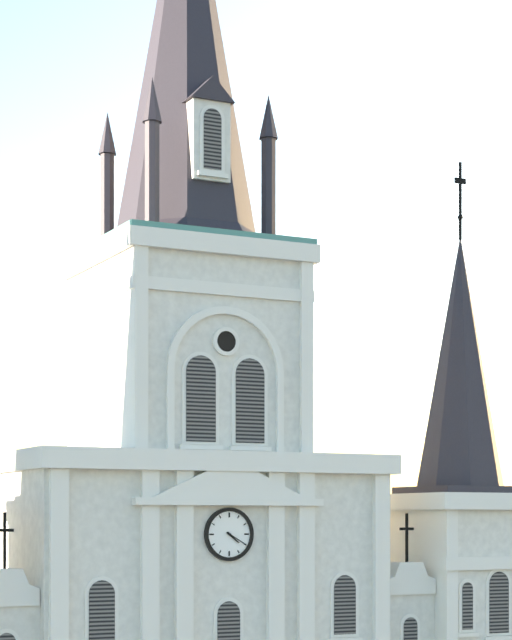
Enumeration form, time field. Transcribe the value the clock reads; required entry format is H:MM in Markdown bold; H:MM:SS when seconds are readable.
**4:20**
